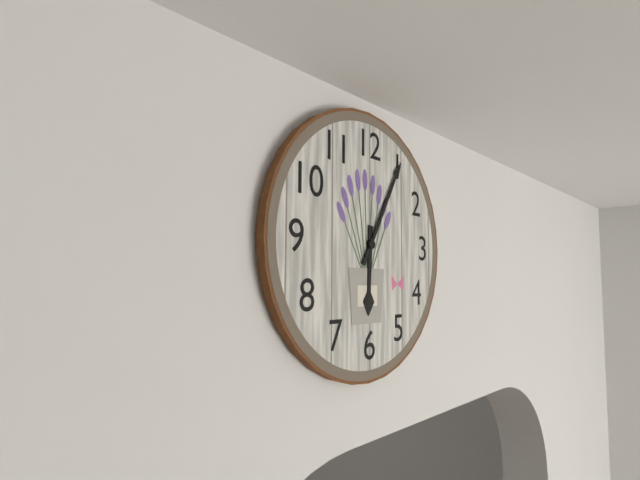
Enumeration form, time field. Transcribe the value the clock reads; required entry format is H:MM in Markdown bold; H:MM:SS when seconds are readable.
**6:05**
